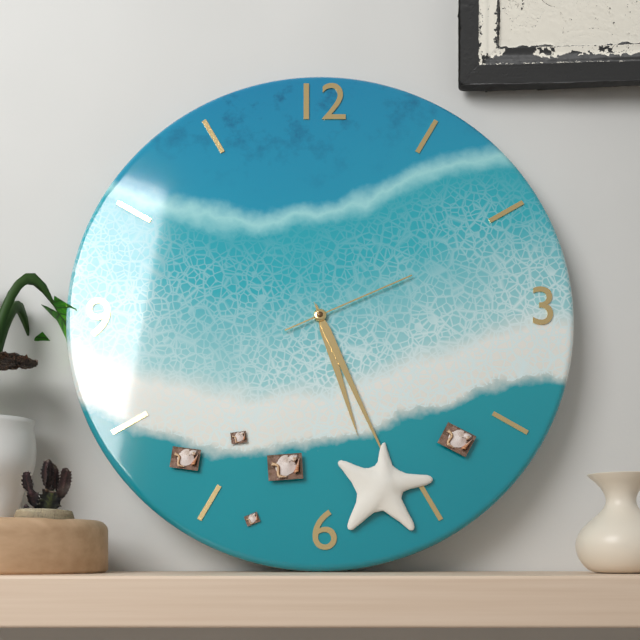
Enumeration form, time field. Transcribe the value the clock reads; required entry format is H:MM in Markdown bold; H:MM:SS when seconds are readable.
**5:26:11**
